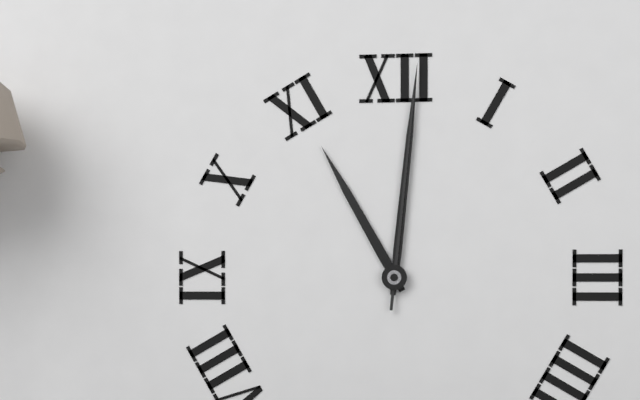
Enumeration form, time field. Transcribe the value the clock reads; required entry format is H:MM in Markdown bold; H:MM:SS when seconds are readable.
**11:01:01**
